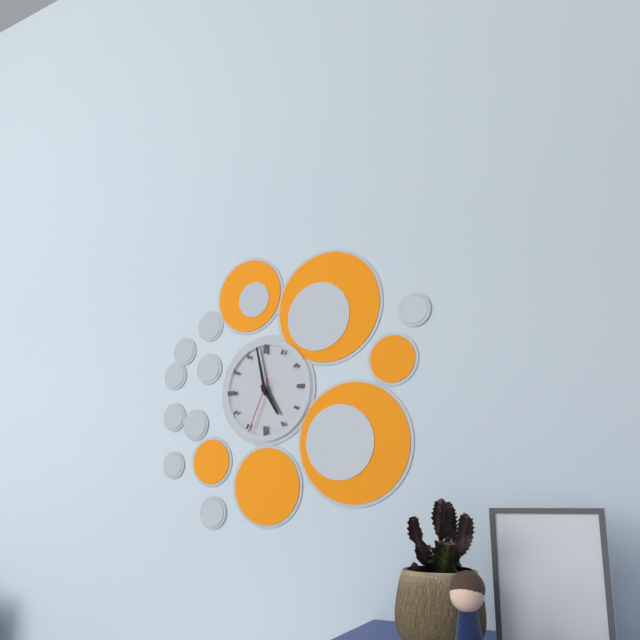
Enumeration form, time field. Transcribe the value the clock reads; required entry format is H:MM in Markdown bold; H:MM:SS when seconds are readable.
**4:58:34**
